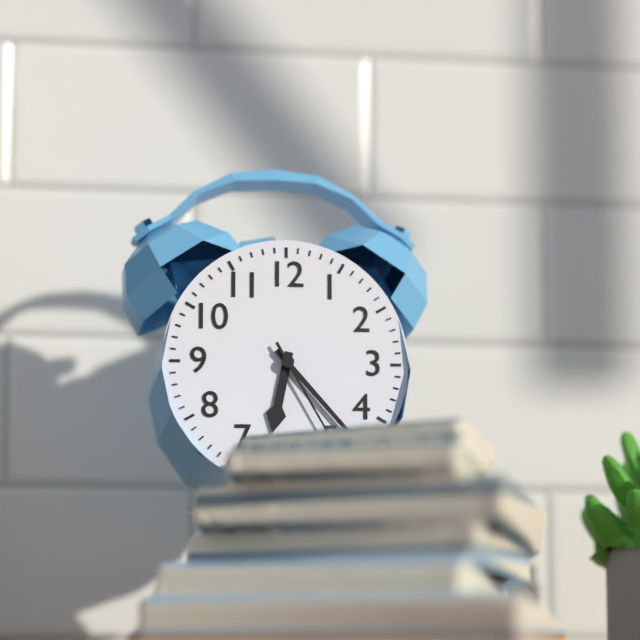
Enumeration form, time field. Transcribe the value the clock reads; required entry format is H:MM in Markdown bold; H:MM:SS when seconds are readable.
**6:23:25**
